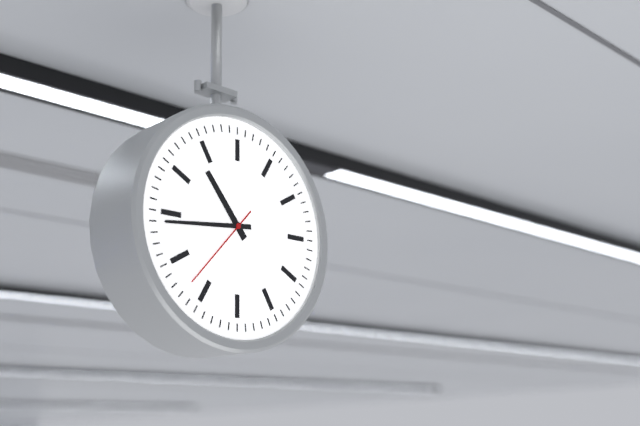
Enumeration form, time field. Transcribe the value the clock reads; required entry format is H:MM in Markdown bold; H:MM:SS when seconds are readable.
**10:44:37**
